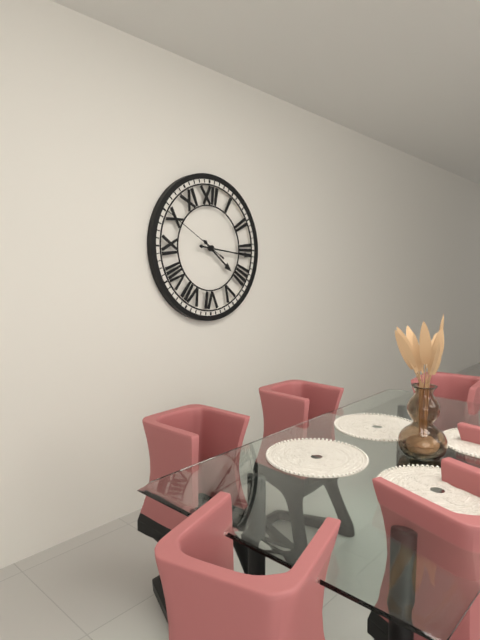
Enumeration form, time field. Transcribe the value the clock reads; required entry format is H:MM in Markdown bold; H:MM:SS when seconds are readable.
**4:16:50**
